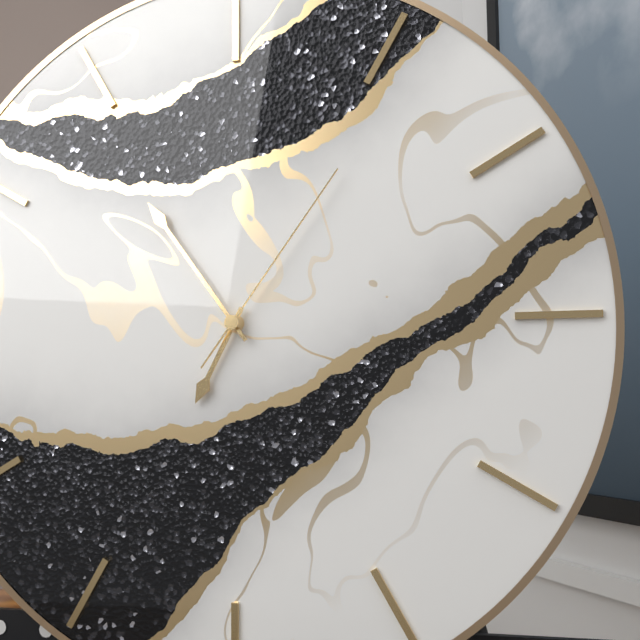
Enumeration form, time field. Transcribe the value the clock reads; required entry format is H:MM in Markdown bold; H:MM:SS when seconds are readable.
**6:54:06**
